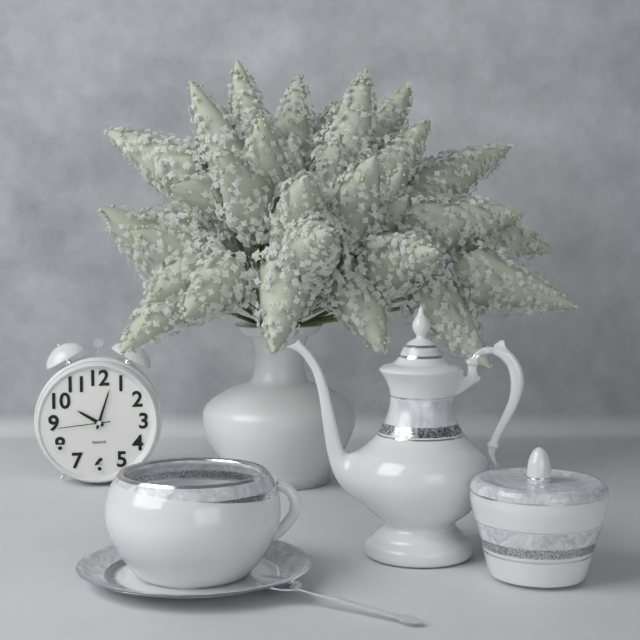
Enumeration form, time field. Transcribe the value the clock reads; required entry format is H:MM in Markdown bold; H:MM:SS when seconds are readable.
**10:03:44**
